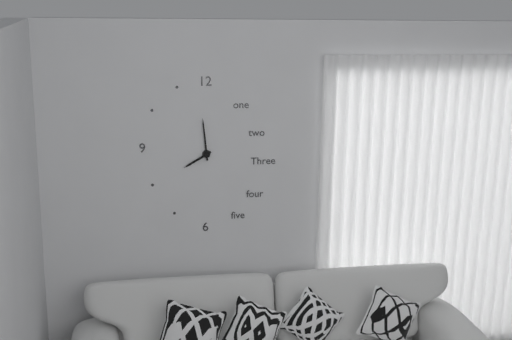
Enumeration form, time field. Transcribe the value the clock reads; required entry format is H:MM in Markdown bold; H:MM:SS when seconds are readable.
**7:59**
